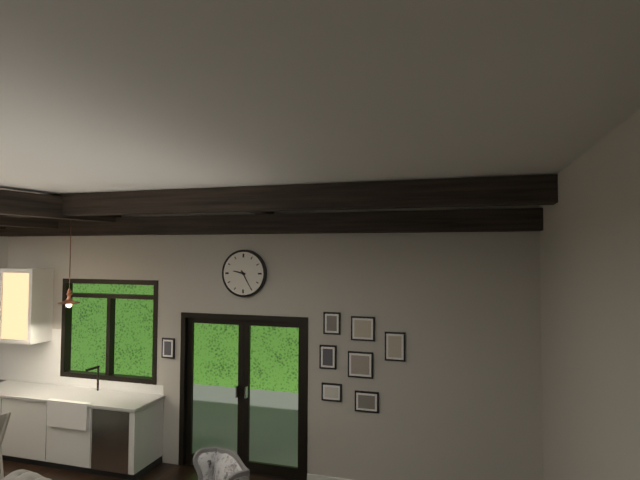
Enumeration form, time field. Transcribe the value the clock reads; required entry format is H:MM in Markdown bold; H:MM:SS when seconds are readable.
**9:25**
